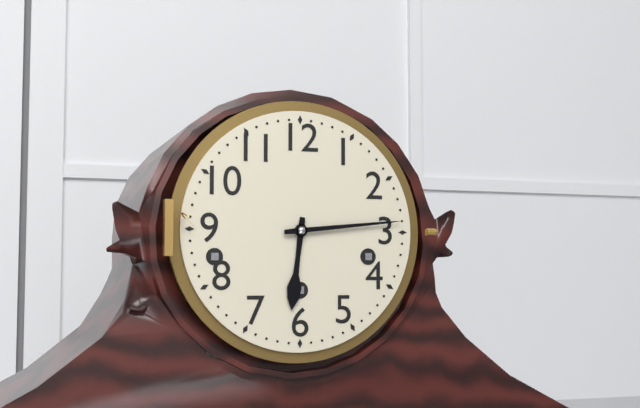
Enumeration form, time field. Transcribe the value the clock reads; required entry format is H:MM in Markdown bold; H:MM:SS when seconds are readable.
**6:14**
